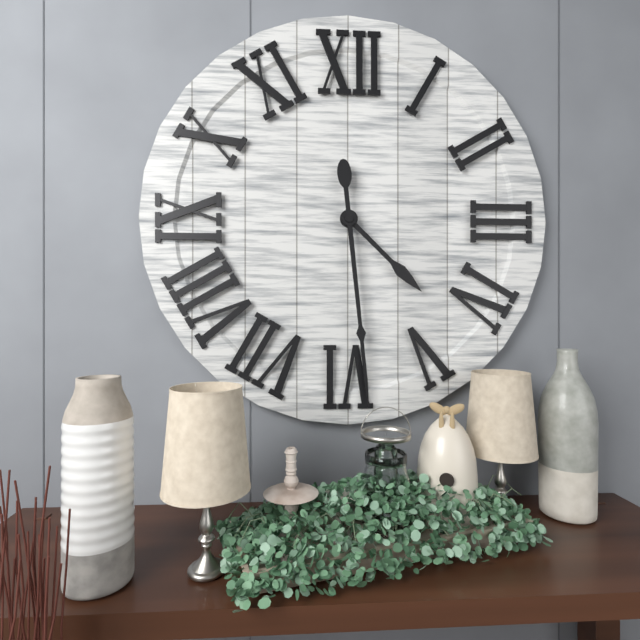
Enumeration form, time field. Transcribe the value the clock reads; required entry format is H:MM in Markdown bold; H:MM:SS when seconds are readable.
**4:29**
